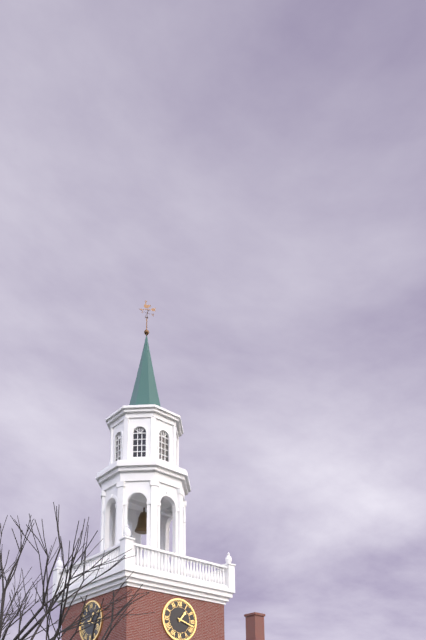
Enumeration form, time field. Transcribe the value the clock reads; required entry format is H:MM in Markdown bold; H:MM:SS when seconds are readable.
**1:18**
